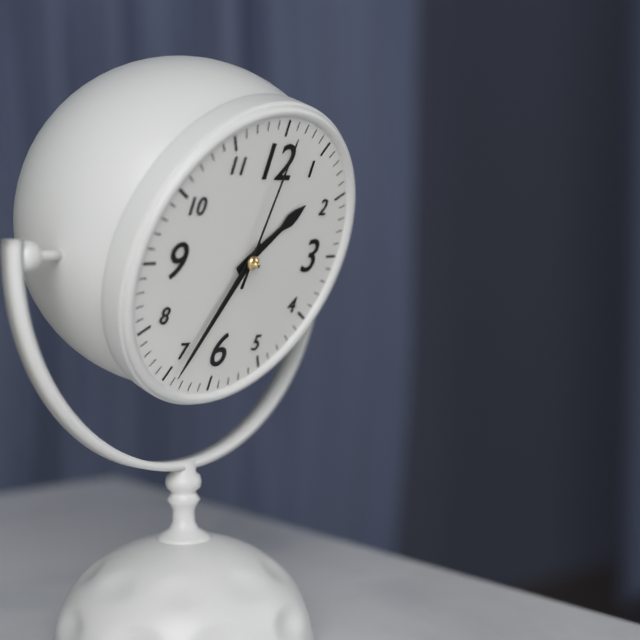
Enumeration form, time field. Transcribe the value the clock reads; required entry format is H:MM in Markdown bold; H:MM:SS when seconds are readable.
**1:34:01**
